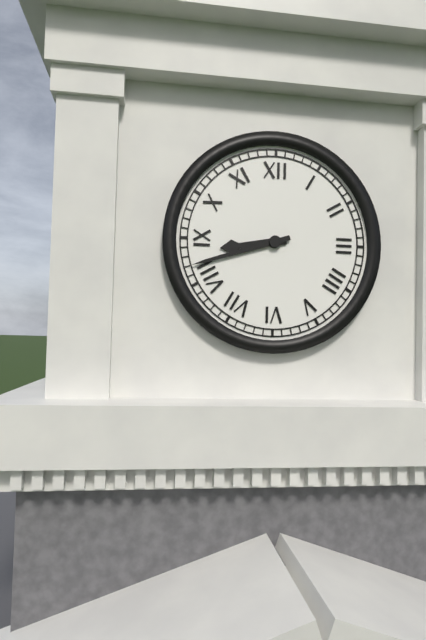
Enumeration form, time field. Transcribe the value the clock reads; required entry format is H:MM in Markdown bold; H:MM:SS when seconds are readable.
**8:42**
